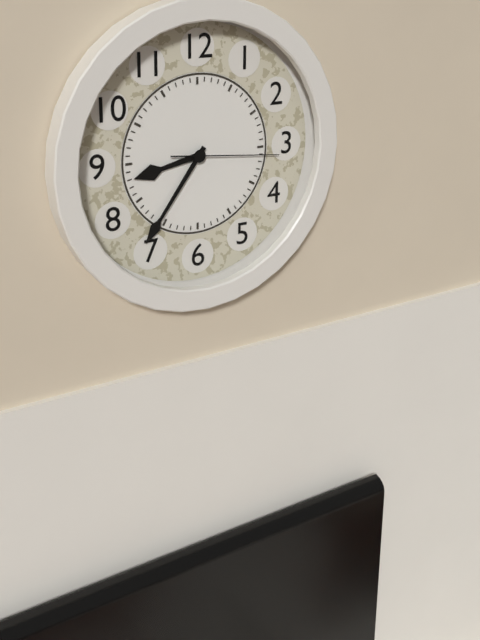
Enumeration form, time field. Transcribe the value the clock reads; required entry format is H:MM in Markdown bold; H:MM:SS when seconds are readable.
**8:36:16**
